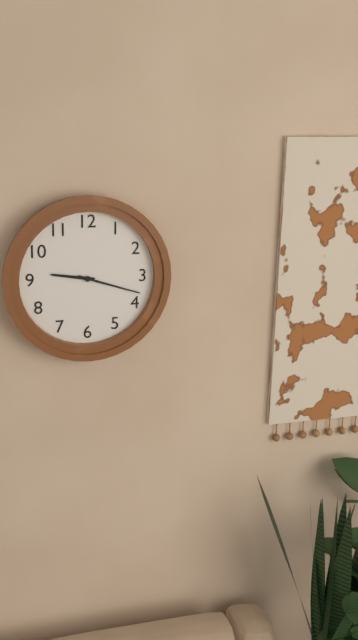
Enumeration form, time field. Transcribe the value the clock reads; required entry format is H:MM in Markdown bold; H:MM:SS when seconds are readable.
**9:18**
